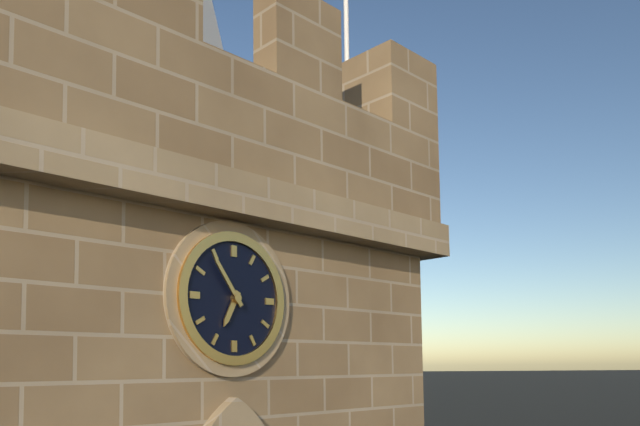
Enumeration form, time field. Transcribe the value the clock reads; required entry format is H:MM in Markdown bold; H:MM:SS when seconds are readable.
**6:54**
